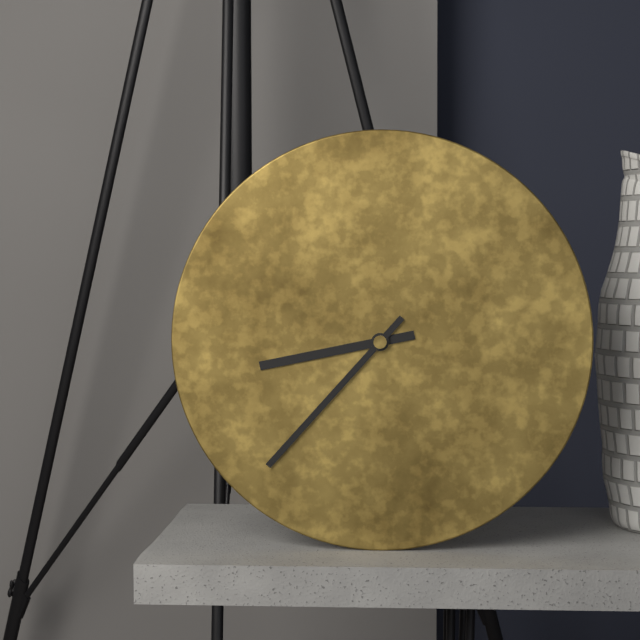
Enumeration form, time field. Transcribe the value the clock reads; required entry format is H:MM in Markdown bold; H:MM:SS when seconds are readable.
**8:37**
